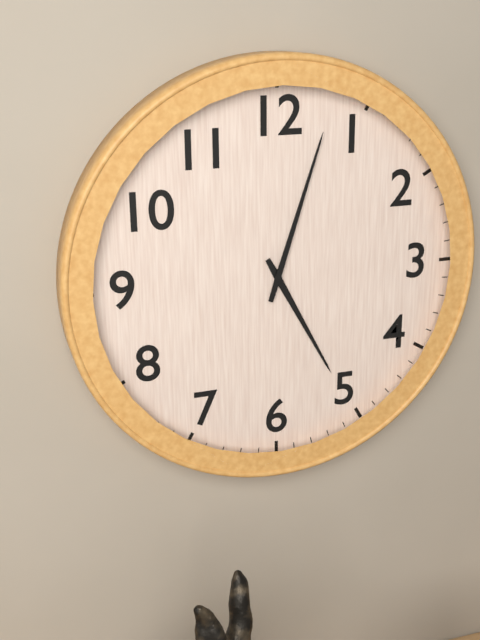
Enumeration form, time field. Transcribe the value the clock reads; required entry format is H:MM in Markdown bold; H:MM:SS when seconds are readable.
**5:03**
